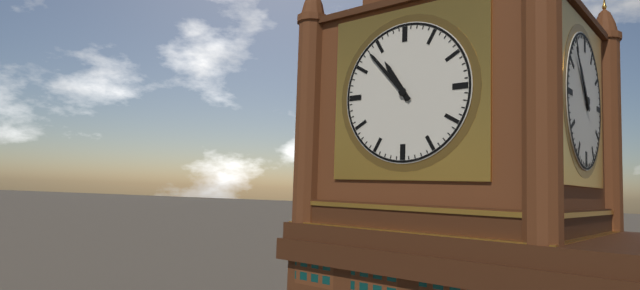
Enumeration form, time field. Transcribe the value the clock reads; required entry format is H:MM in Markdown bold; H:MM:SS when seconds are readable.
**10:53**
